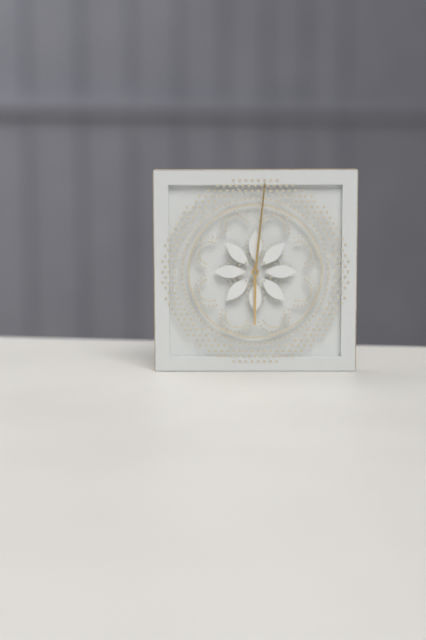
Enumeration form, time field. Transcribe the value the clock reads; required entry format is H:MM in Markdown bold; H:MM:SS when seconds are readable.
**6:01**
